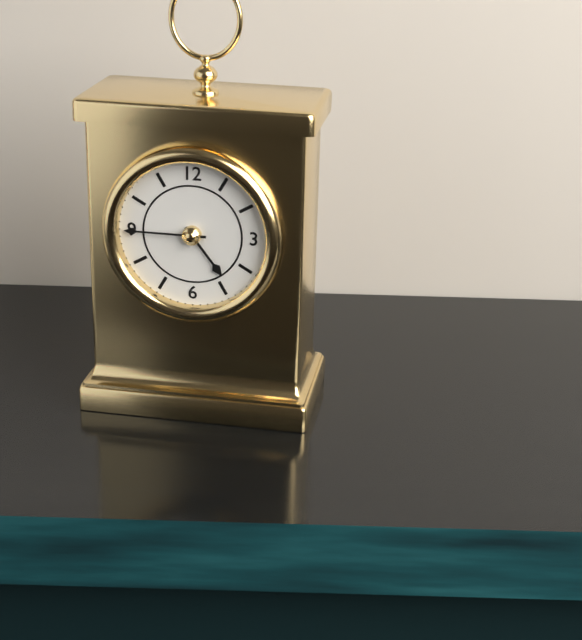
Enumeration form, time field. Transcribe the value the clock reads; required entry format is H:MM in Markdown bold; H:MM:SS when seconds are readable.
**4:45**
